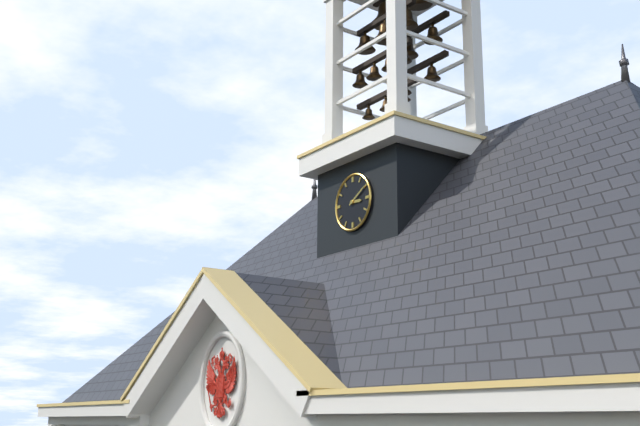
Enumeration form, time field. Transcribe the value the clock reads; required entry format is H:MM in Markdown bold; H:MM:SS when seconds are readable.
**3:10**
